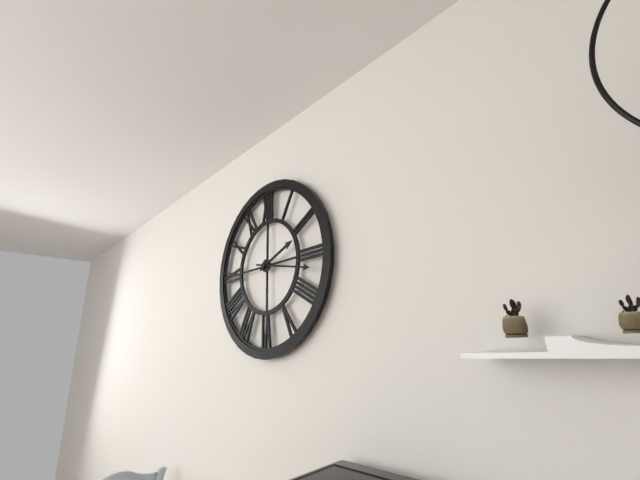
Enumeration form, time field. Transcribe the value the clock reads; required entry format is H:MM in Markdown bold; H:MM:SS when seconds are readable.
**2:17**
